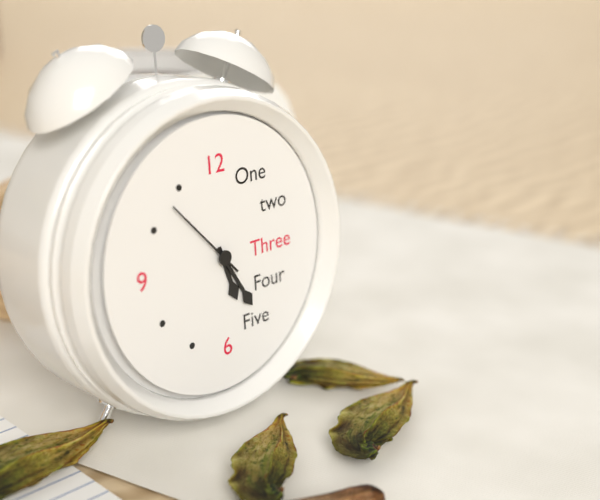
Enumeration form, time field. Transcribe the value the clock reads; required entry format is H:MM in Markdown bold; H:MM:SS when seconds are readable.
**5:25:53**
